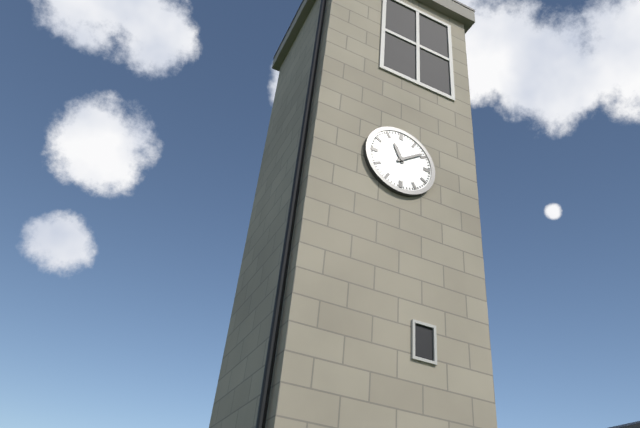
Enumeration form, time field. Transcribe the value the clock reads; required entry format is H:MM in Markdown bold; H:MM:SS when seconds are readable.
**11:09**
